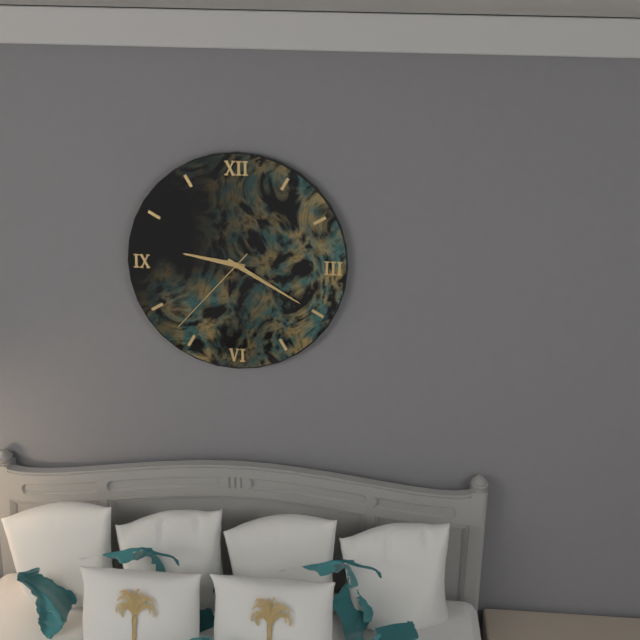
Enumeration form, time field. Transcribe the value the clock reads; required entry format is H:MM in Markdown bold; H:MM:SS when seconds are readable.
**9:20:37**
